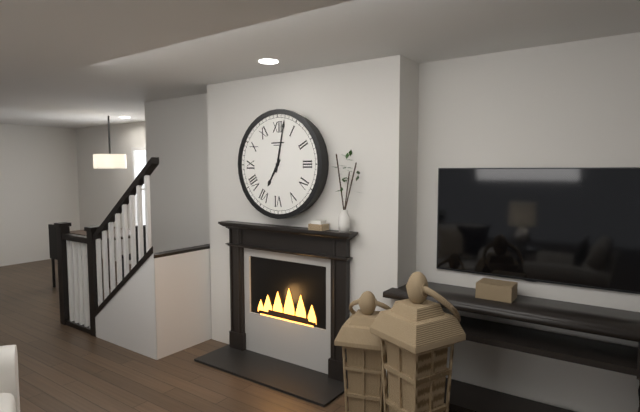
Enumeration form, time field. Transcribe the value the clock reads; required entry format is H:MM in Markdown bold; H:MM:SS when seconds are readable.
**7:02**
